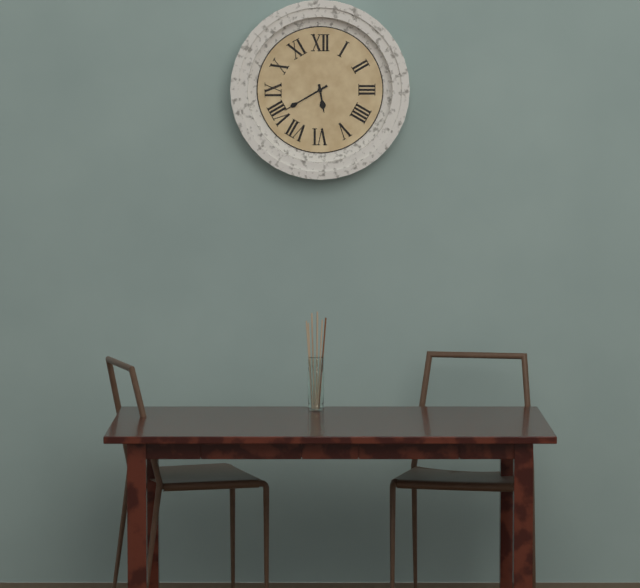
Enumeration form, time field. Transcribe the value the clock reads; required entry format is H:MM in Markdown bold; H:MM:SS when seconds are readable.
**5:40**
